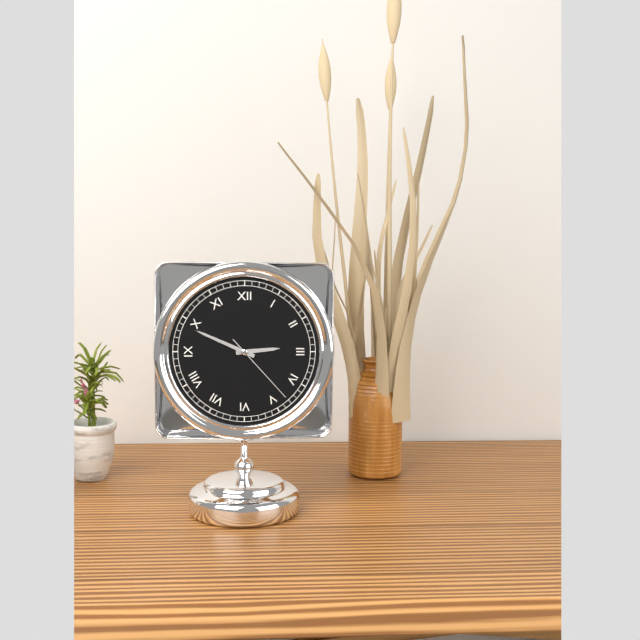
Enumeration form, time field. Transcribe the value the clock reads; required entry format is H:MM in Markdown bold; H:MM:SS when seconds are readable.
**2:49:23**
